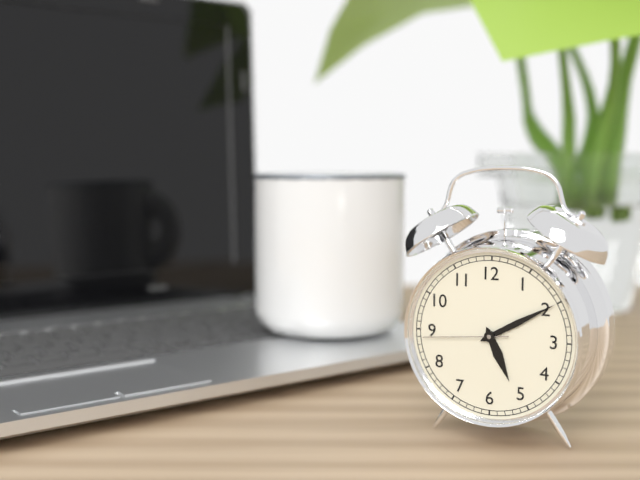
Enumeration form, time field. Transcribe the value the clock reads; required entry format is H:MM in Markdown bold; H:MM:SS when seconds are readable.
**5:10:44**
